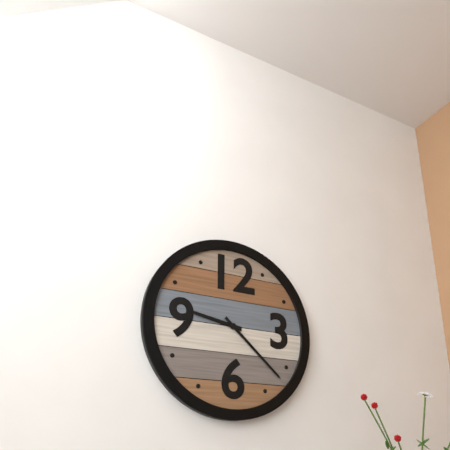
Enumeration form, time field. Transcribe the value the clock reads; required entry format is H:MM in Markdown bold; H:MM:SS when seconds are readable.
**9:22**
